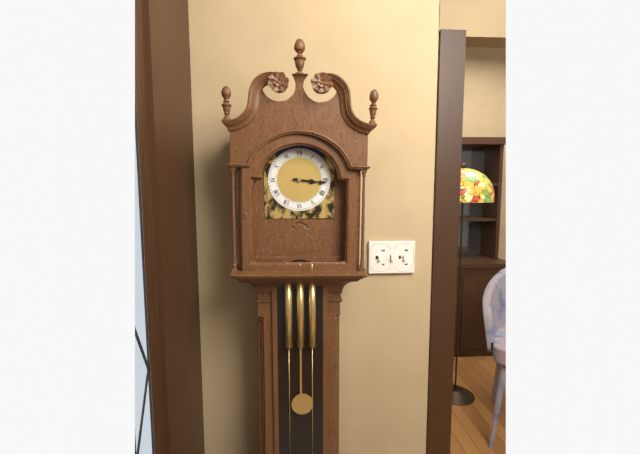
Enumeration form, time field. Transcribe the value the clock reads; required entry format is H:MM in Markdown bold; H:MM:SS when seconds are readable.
**3:16**
